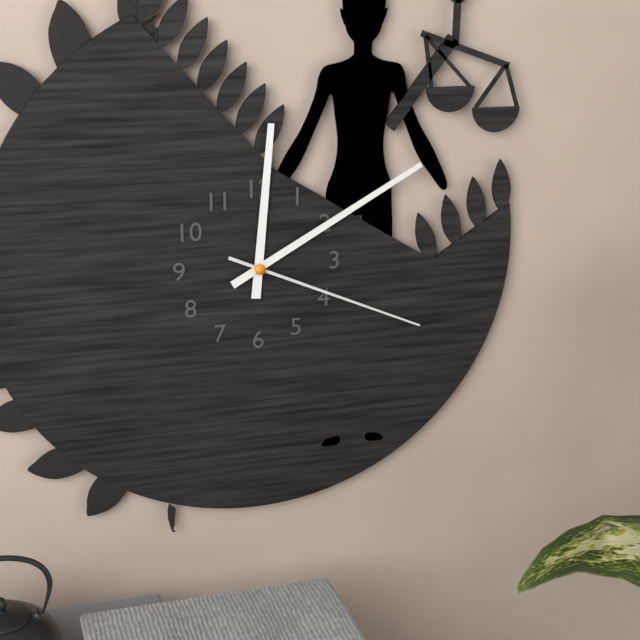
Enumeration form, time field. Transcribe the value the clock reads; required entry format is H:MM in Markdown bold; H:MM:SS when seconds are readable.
**12:10:19**
